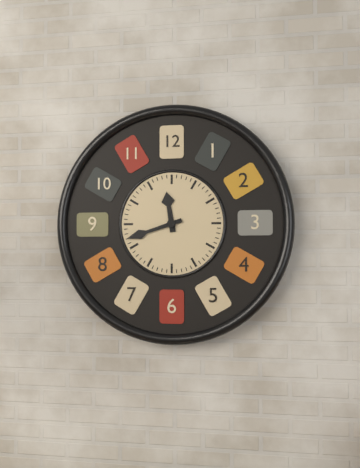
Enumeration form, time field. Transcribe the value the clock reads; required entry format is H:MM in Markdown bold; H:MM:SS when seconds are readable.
**11:42**
